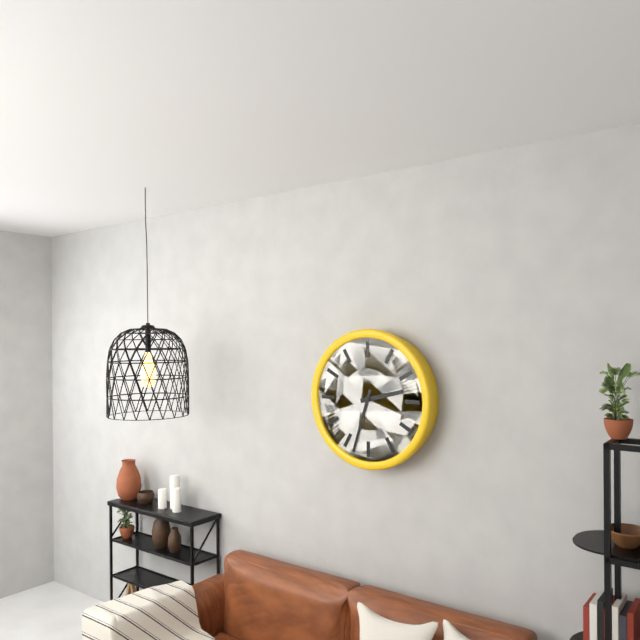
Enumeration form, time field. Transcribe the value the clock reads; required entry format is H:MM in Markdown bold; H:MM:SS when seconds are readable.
**2:33**
